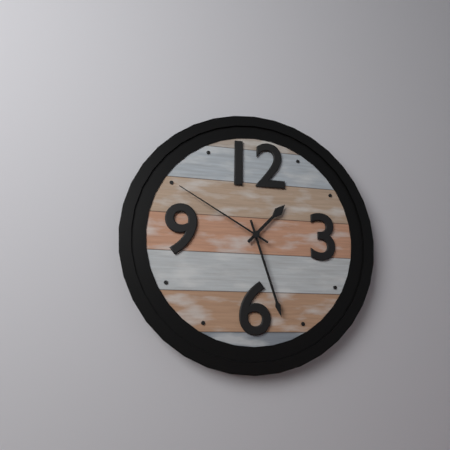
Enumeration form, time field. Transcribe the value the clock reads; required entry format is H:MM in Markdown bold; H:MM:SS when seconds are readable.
**1:27:50**
